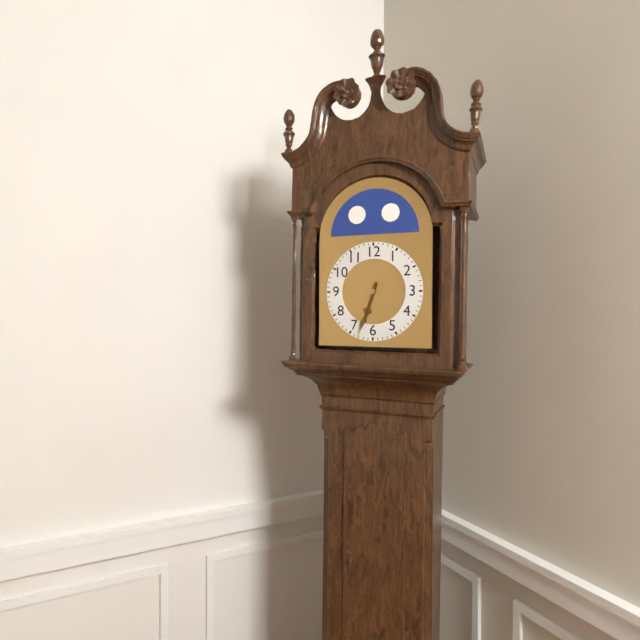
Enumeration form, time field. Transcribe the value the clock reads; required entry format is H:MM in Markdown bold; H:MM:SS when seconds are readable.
**6:33**
